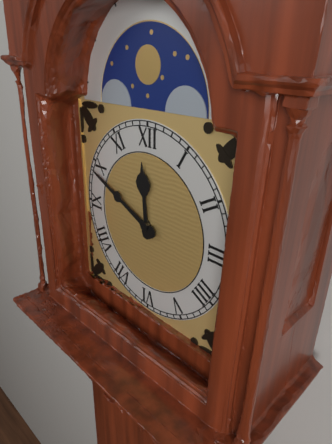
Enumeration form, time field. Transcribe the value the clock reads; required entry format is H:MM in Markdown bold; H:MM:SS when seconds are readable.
**11:49**
